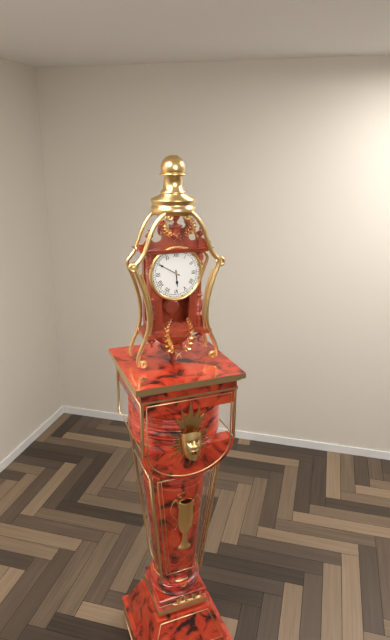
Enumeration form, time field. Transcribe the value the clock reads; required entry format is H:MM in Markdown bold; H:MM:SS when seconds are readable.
**5:50**
